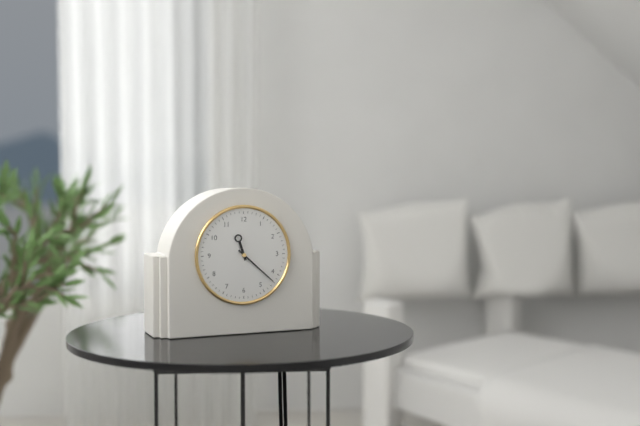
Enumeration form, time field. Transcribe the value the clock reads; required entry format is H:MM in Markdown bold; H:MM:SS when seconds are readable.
**11:22**
